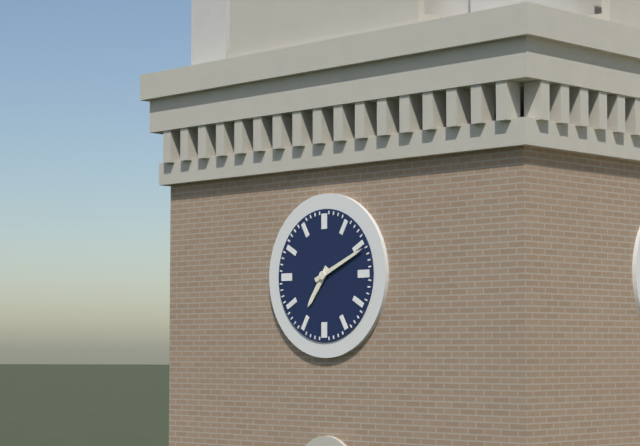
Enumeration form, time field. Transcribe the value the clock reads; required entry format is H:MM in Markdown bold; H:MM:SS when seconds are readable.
**7:11**
